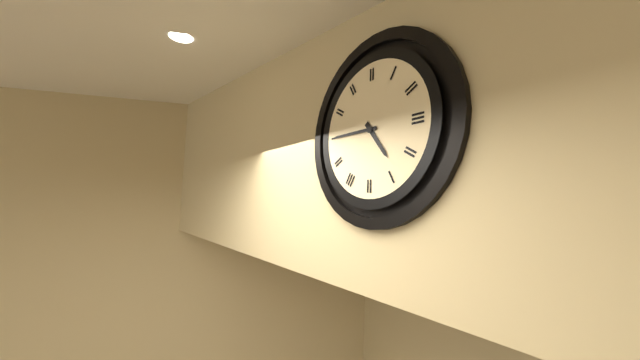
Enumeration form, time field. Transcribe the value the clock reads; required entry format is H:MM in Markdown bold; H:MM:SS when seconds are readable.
**4:45**
